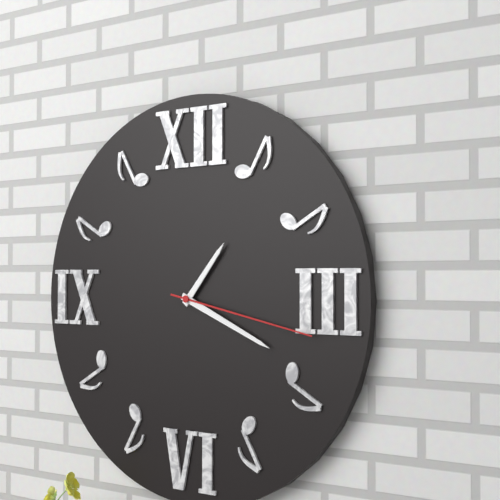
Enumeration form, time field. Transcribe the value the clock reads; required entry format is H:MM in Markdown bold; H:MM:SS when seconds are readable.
**1:19:17**
